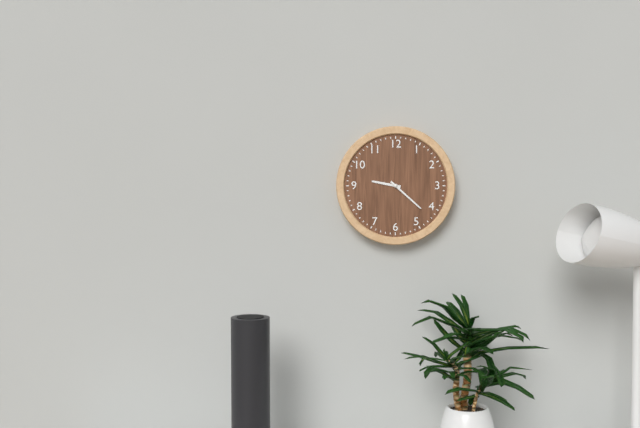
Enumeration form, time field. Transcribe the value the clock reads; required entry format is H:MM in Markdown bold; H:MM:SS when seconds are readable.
**9:22**
